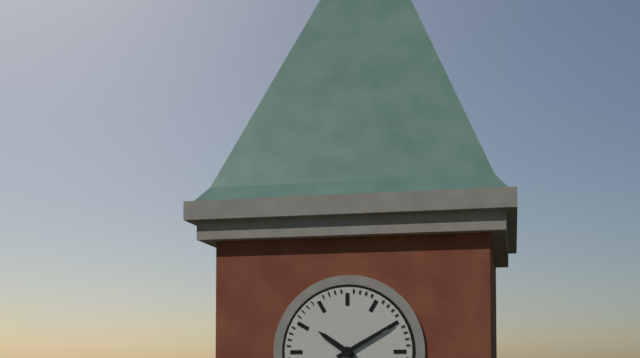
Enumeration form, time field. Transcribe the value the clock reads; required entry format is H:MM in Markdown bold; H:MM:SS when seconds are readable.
**10:10**
